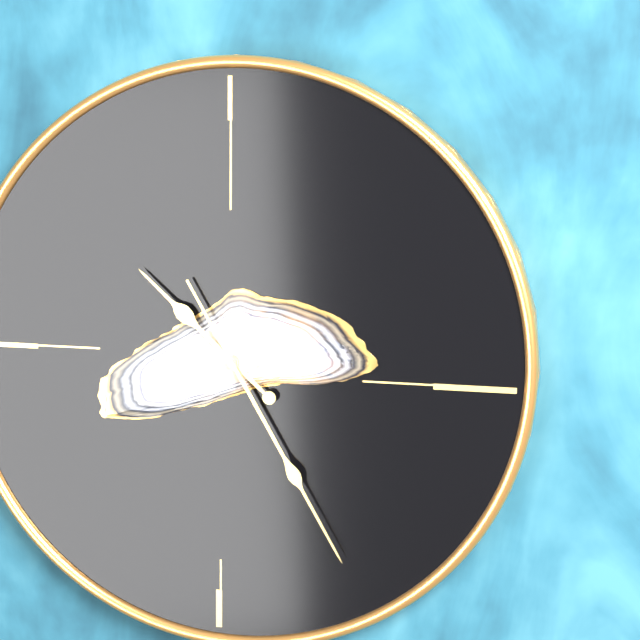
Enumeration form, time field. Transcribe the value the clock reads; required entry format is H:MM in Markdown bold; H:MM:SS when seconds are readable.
**10:25**
